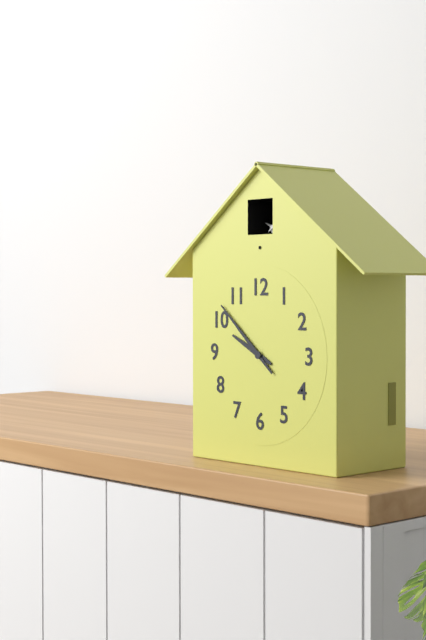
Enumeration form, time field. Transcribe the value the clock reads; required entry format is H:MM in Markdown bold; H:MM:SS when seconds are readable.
**9:52**
